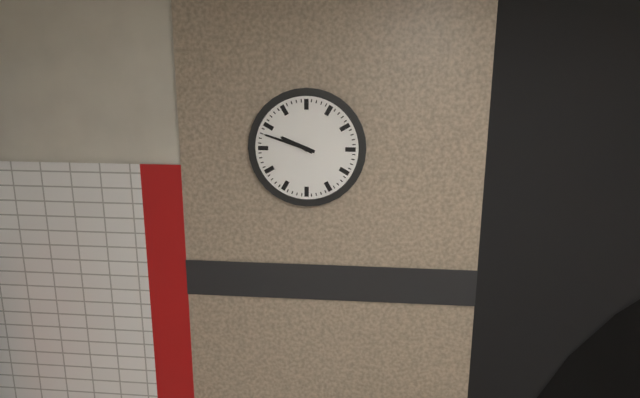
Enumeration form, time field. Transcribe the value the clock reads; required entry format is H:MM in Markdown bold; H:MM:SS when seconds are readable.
**9:48**
